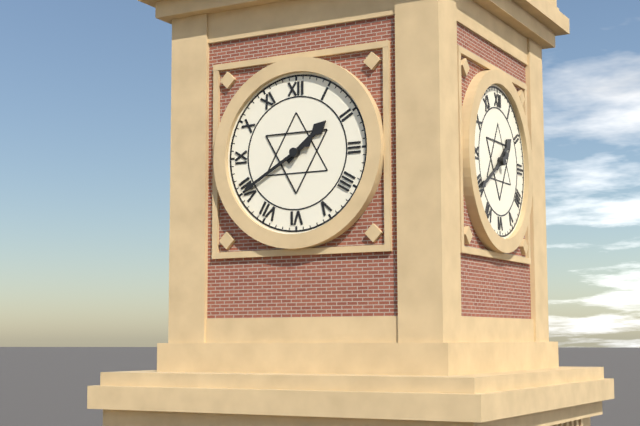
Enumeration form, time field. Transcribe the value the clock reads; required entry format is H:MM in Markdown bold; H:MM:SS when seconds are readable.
**1:40**
